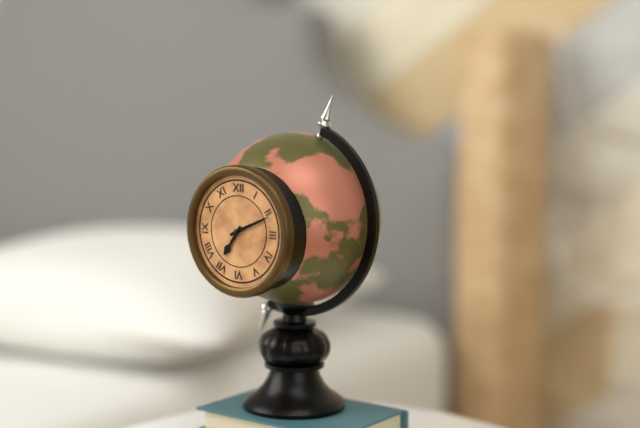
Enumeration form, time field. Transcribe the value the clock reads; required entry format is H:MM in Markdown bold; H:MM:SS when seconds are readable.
**7:11**
